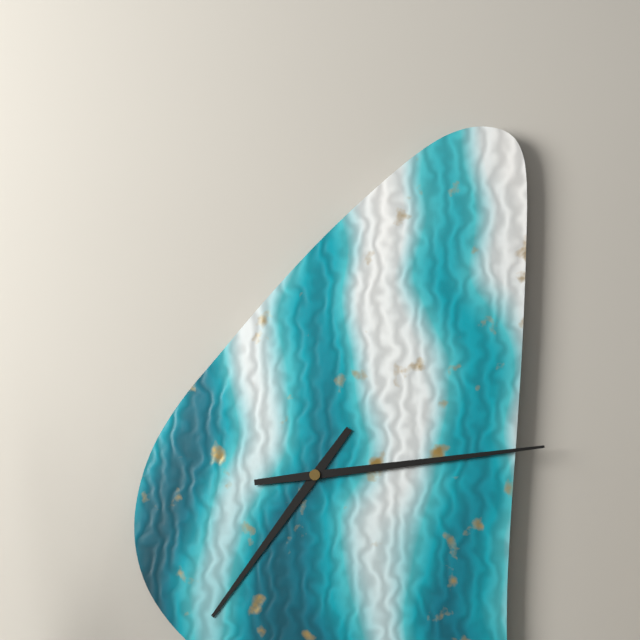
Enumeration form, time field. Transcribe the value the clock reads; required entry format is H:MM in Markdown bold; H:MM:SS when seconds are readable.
**7:14**
